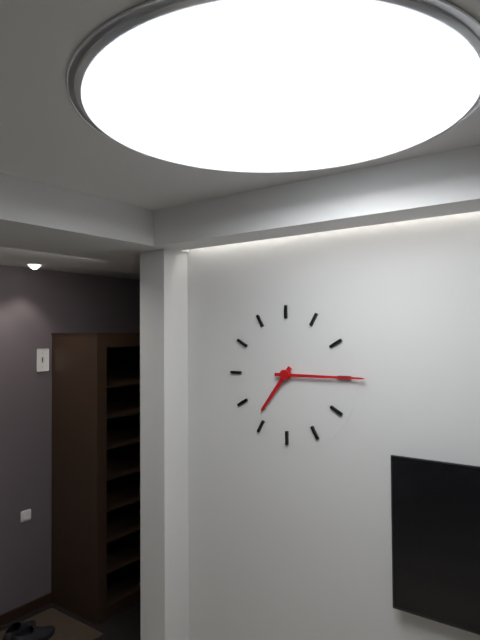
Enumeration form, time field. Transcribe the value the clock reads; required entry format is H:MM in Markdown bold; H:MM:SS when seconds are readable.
**7:15**
